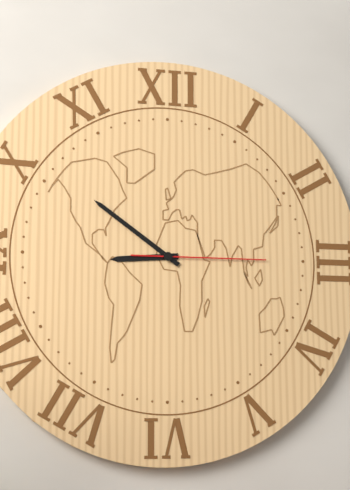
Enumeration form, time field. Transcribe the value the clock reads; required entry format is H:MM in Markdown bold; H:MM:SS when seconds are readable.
**8:51:15**
